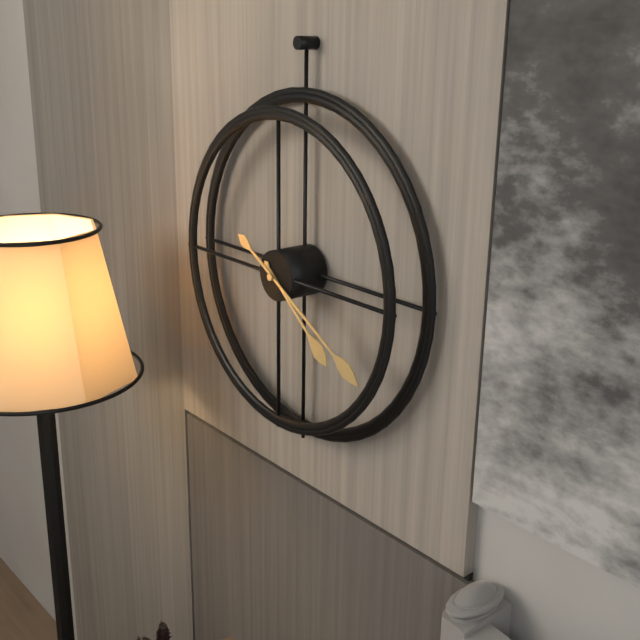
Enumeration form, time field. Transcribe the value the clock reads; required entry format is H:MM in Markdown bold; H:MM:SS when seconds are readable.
**4:20**
